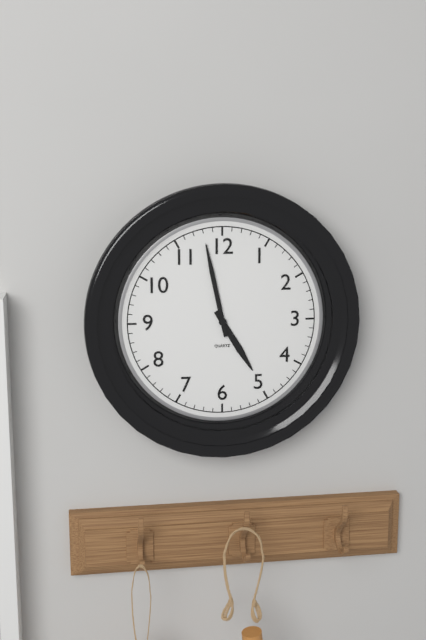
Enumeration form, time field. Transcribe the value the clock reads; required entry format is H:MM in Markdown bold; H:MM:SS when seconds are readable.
**4:58**
